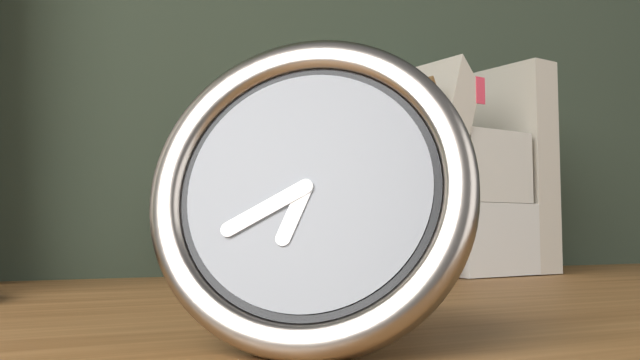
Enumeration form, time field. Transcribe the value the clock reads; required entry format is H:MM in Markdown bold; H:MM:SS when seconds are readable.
**6:40**
